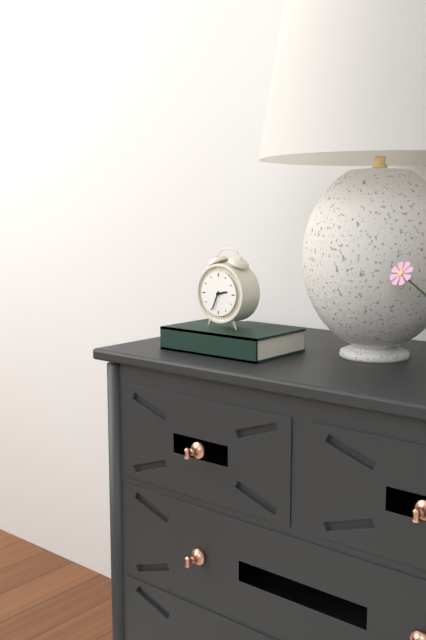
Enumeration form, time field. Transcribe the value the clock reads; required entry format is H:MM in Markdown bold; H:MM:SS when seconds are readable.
**2:34**
